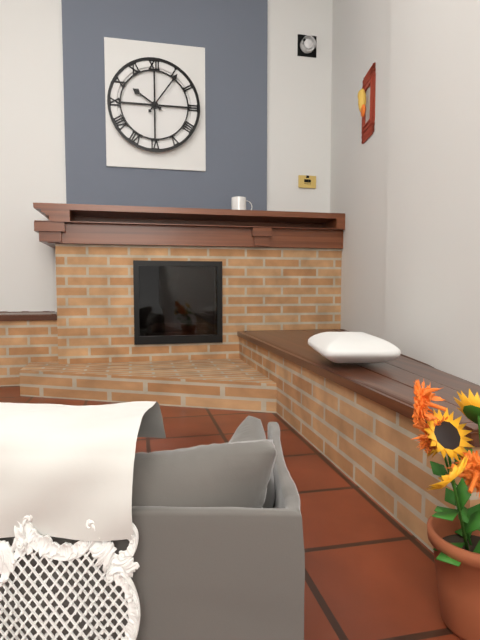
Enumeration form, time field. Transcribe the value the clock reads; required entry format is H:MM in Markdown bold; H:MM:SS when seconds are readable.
**10:06**
